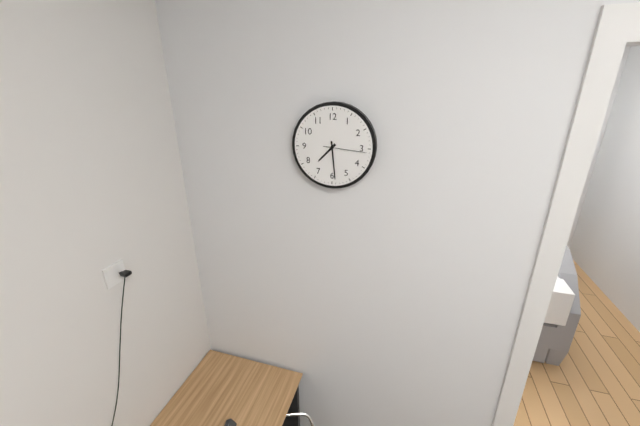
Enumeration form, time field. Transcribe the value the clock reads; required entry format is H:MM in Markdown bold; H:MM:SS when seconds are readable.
**7:29**
